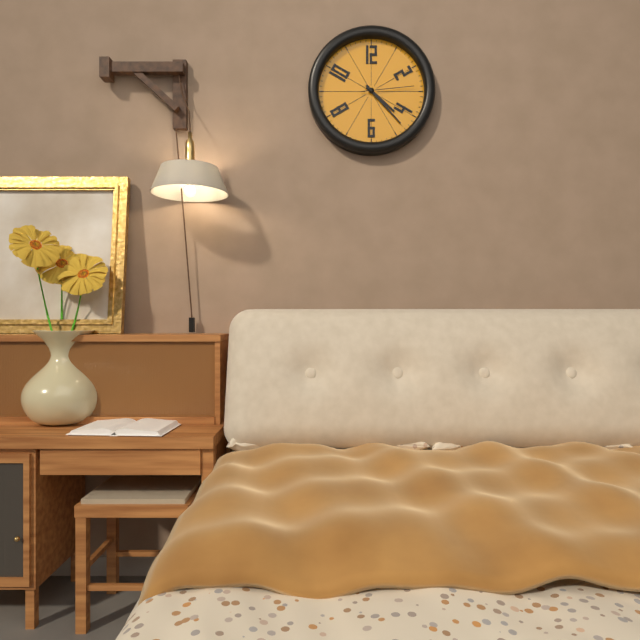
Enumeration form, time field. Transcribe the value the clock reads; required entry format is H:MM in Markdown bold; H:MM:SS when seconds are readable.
**4:23:14**
